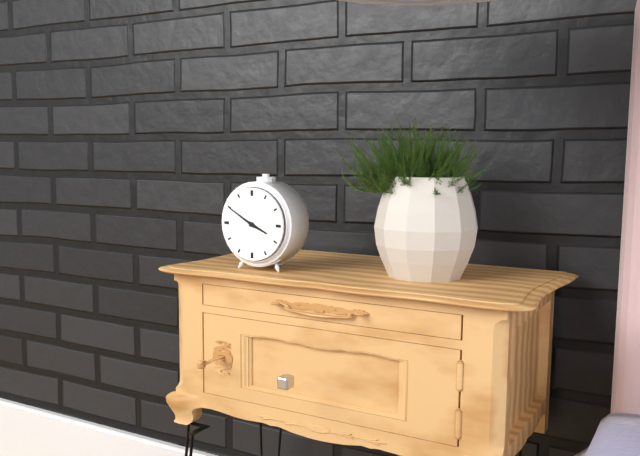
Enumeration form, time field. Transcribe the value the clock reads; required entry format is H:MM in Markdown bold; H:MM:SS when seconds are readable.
**3:50**
